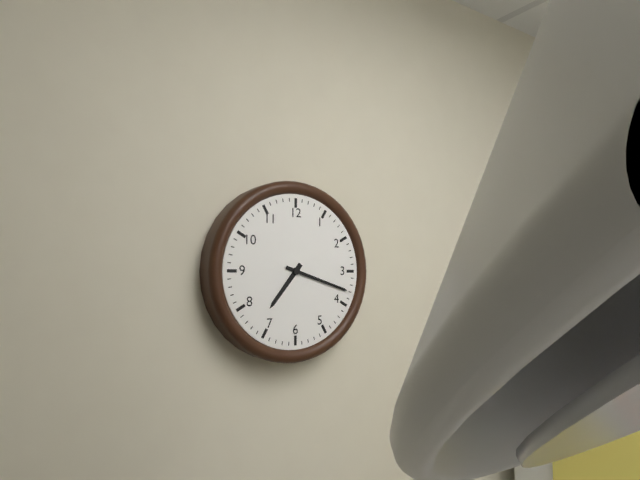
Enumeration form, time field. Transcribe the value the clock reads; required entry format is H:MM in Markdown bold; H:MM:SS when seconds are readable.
**7:18**
